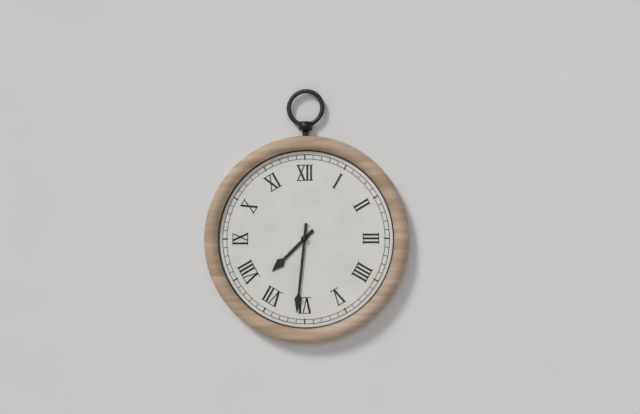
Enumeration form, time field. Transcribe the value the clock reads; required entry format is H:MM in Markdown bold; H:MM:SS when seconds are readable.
**7:31**
